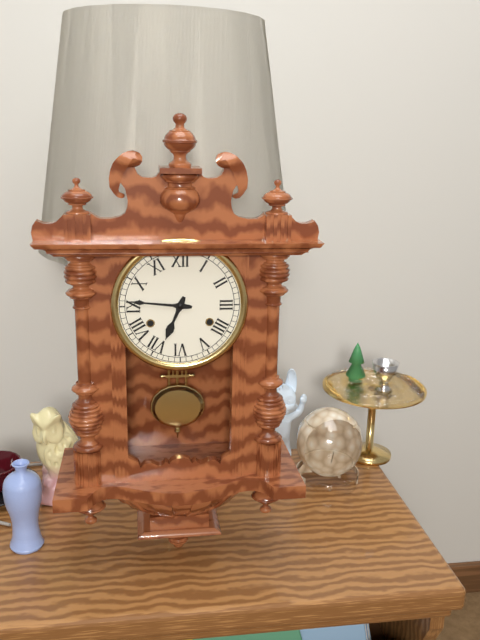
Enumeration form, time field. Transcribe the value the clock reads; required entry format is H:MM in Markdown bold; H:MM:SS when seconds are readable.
**6:46**
